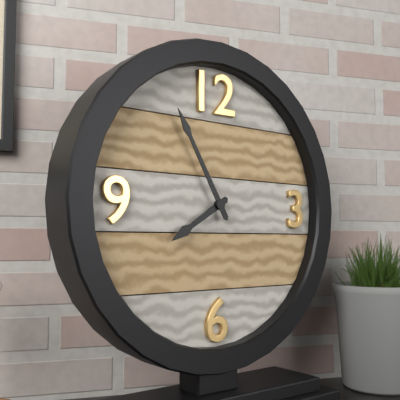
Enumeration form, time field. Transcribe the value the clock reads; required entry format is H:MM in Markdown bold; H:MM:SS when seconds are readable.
**7:55**
